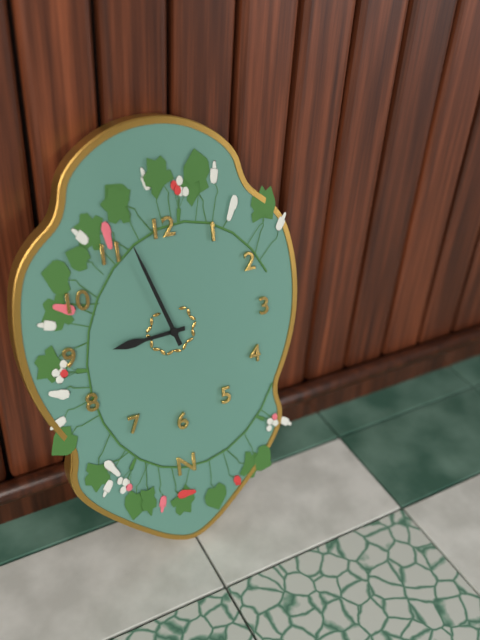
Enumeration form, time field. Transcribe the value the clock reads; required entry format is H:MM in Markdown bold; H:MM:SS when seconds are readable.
**8:57**
